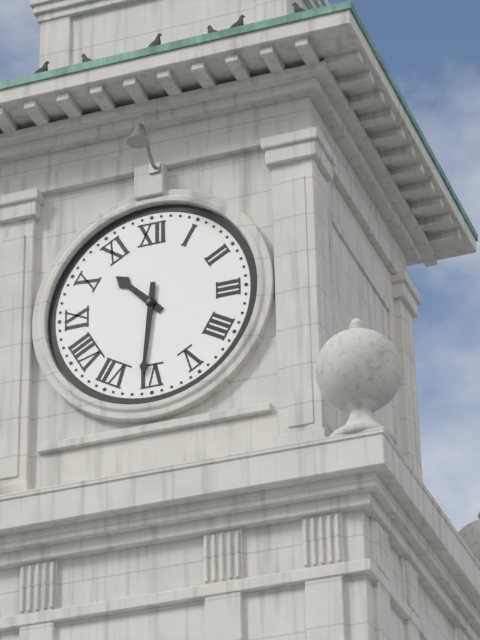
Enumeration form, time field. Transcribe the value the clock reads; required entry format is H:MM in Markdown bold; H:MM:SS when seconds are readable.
**10:31**
